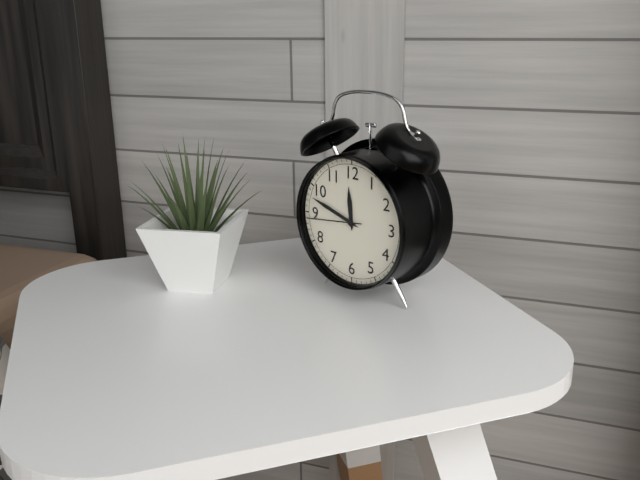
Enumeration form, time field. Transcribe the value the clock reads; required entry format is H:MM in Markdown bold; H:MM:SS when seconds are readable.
**11:48:44**
